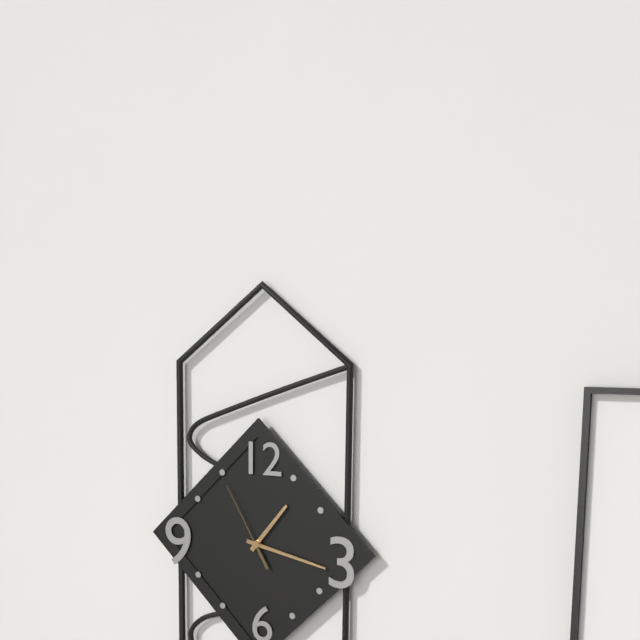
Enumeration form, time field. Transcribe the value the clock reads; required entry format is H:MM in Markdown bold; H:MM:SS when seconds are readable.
**1:17:55**
